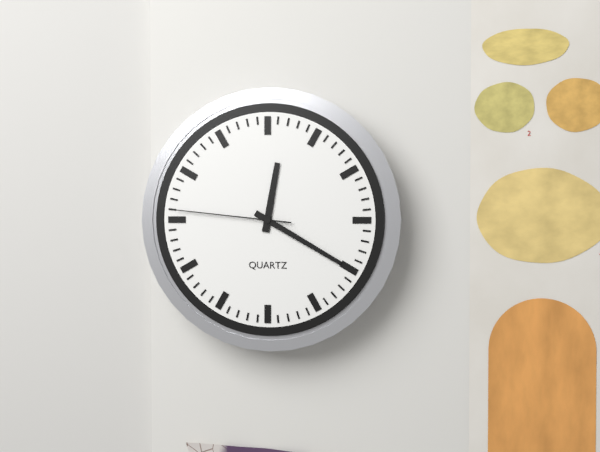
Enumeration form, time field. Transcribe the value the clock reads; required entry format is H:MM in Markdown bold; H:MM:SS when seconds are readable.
**12:20:46**
